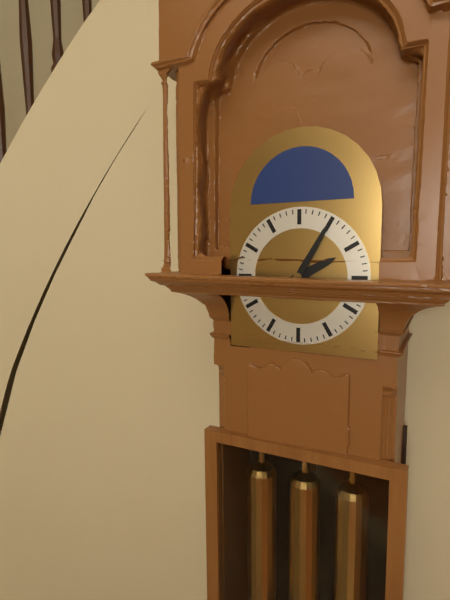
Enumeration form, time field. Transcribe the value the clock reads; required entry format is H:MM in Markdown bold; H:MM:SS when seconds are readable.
**2:05**
